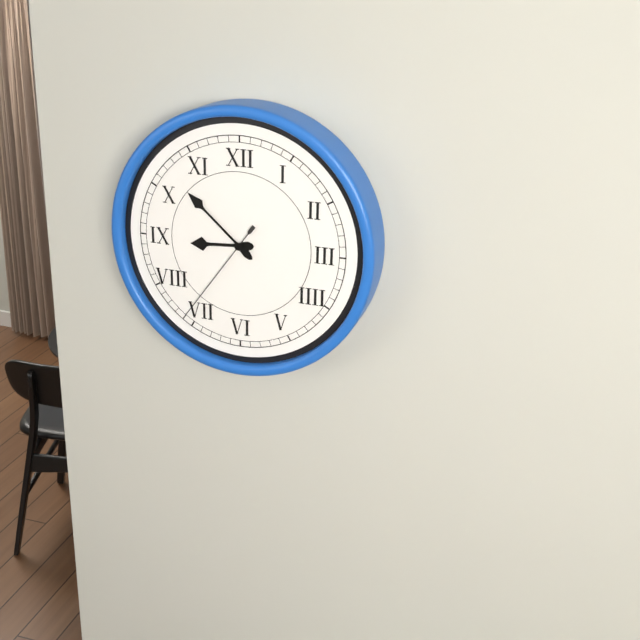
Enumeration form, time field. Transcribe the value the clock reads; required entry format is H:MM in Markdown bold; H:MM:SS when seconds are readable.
**8:52:36**
